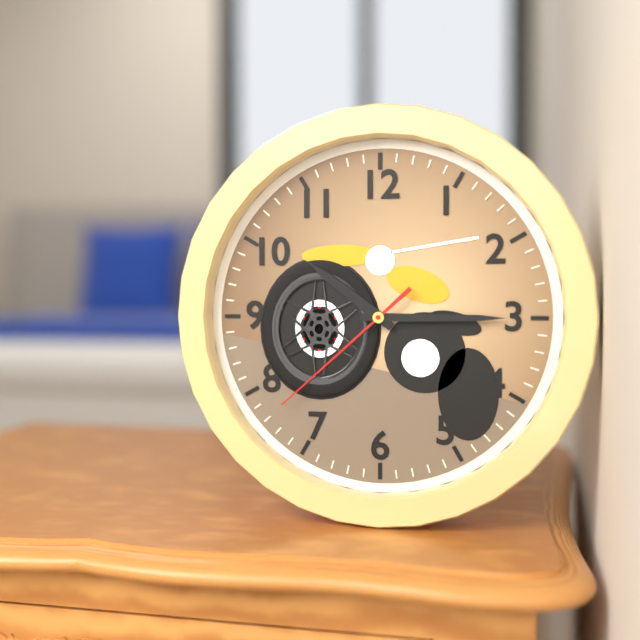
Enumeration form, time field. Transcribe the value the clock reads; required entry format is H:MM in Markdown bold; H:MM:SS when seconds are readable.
**10:15:38**
